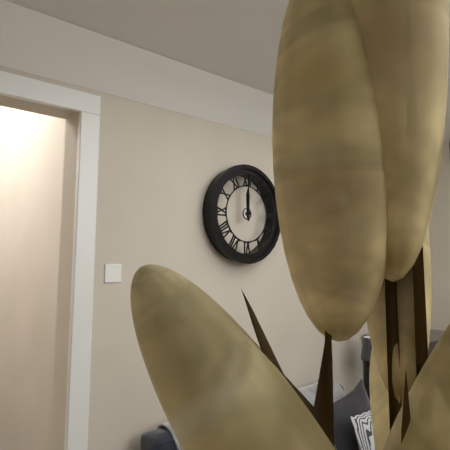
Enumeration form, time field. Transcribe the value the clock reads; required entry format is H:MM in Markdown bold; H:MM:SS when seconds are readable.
**12:00**
